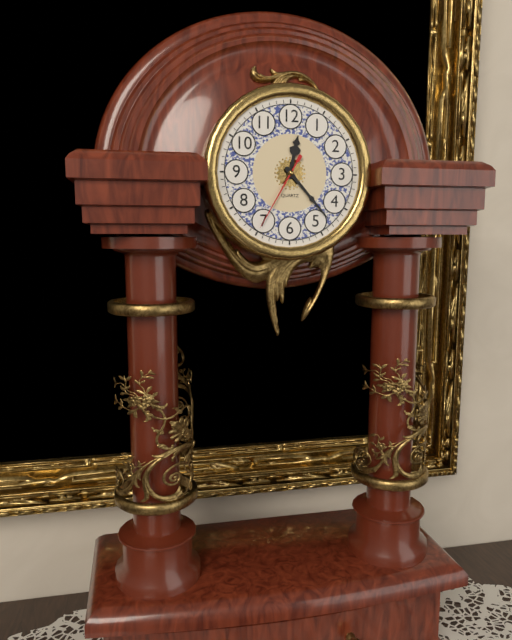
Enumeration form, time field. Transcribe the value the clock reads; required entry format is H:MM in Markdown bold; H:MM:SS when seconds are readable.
**12:23:35**
